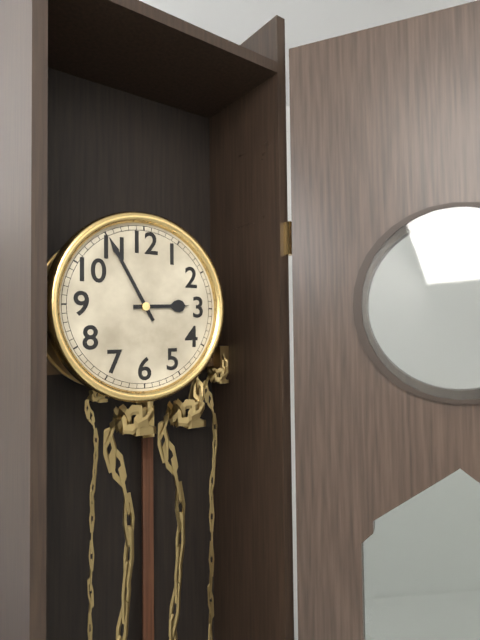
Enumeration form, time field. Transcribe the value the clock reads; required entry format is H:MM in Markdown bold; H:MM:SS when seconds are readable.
**2:55**
